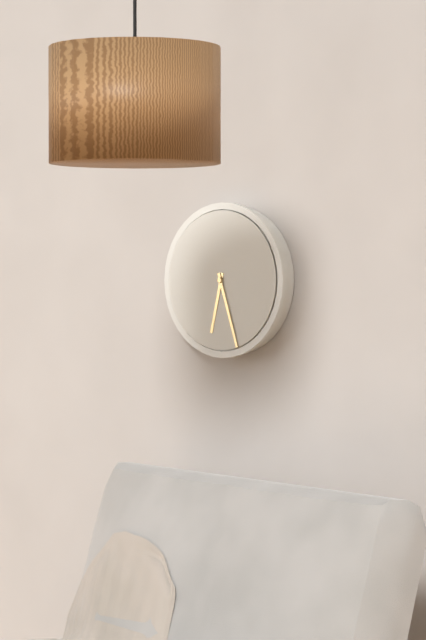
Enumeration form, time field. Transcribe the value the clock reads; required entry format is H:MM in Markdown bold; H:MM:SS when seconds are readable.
**6:27**
